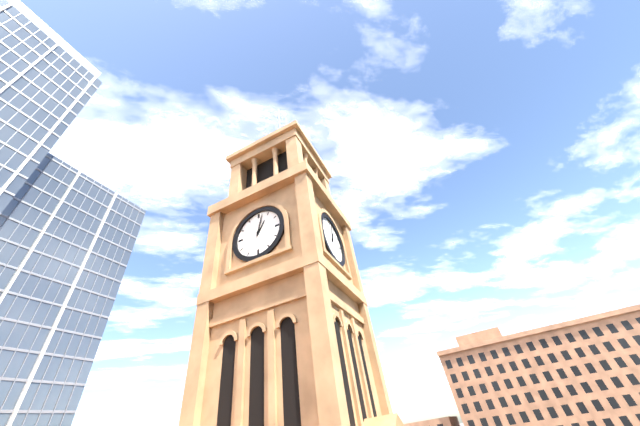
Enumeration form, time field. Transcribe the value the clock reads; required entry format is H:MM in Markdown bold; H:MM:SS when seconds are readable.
**1:02**
